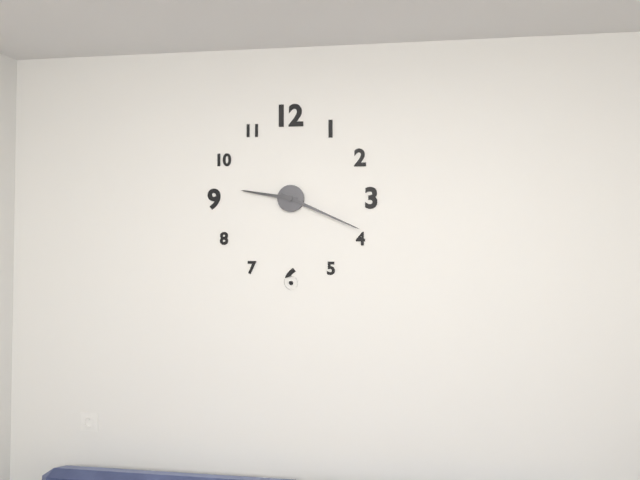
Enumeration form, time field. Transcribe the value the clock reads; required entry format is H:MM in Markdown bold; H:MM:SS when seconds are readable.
**9:19**
